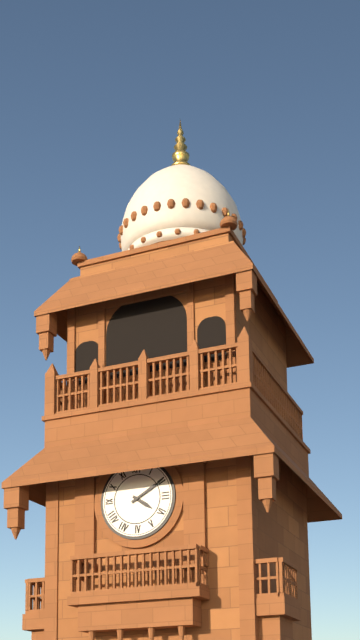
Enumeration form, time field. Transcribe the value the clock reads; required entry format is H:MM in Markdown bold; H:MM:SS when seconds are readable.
**4:10**
